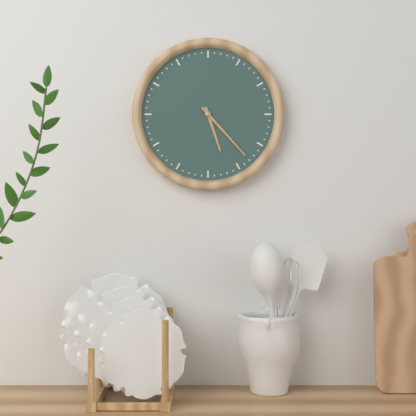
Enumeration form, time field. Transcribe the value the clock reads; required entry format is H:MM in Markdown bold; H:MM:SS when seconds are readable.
**5:23**
